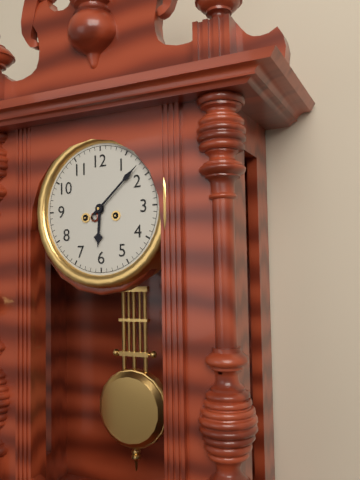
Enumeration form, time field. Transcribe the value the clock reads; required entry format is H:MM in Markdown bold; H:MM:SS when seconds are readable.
**6:08**
